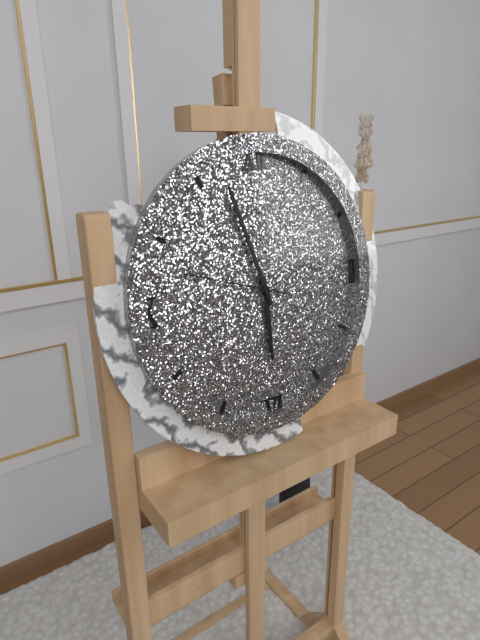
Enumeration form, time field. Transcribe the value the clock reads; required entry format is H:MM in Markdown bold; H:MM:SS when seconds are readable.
**5:57:48**
